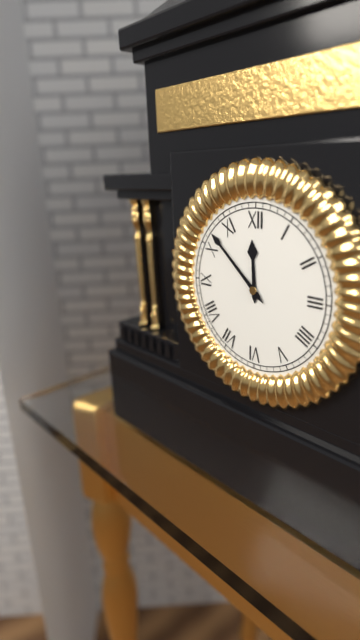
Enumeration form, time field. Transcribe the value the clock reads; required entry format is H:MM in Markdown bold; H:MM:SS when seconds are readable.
**11:52**
